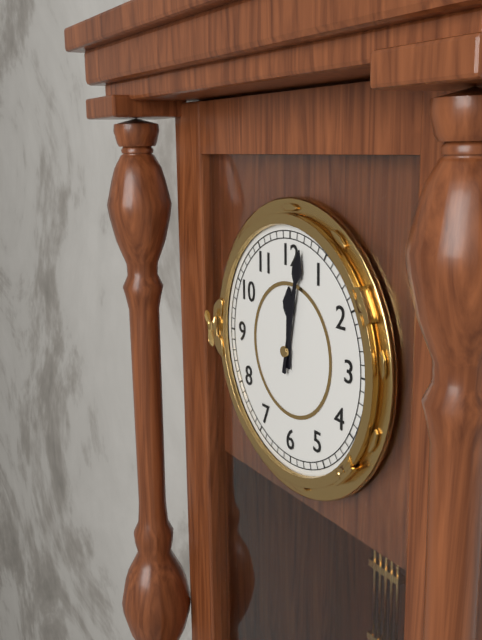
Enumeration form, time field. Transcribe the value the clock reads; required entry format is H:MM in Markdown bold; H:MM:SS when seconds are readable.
**12:02**
